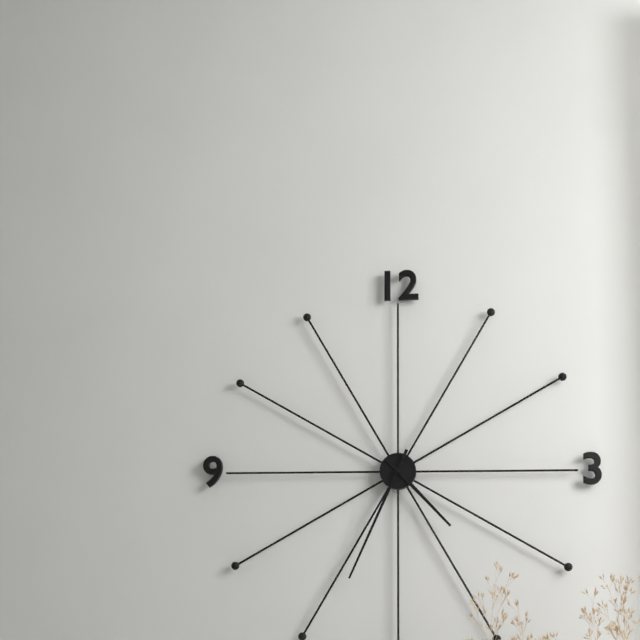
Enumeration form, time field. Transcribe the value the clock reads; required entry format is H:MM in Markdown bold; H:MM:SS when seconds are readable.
**4:34**
